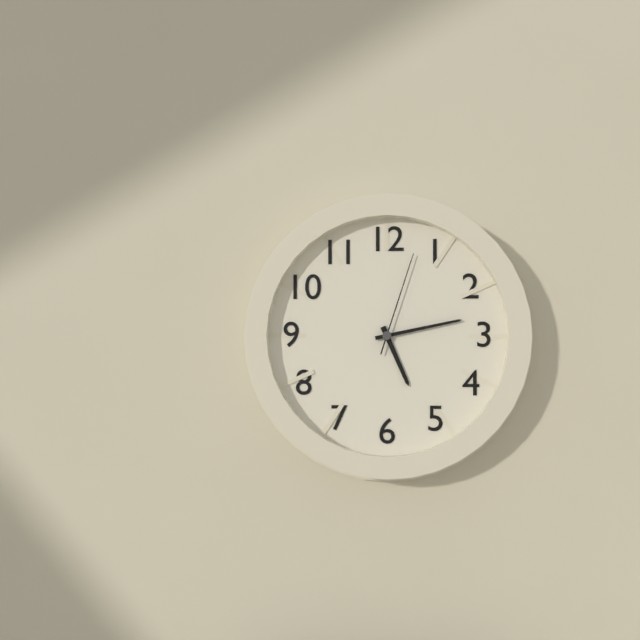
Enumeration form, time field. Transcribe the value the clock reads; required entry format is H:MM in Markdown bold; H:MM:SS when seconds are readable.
**5:13:03**
